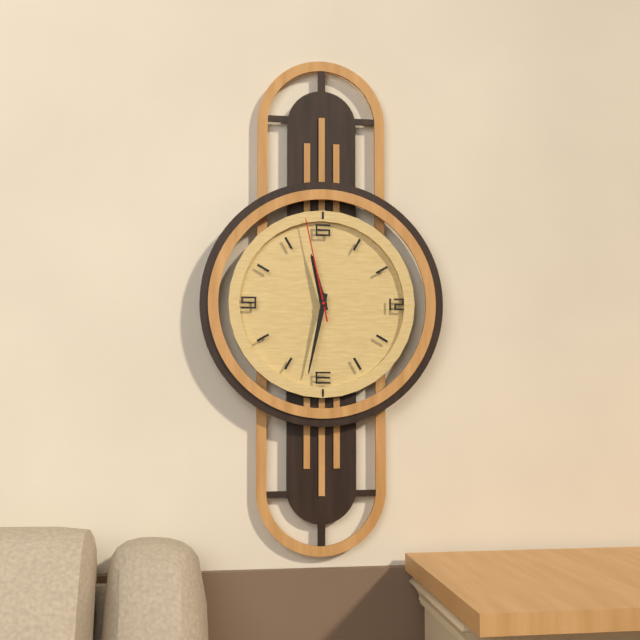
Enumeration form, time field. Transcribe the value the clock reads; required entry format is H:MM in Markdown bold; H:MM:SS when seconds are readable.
**11:32:58**
